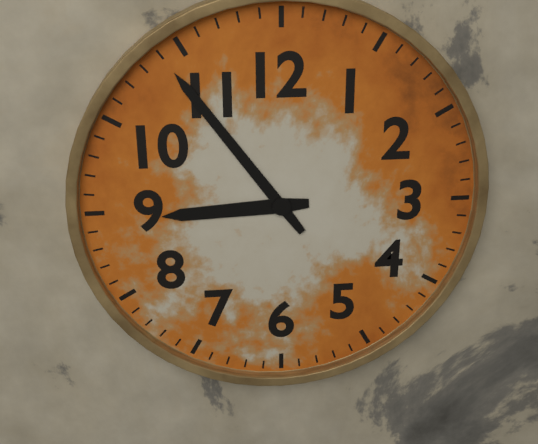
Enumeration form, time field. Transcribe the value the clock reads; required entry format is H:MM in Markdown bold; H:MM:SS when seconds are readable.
**8:54**
